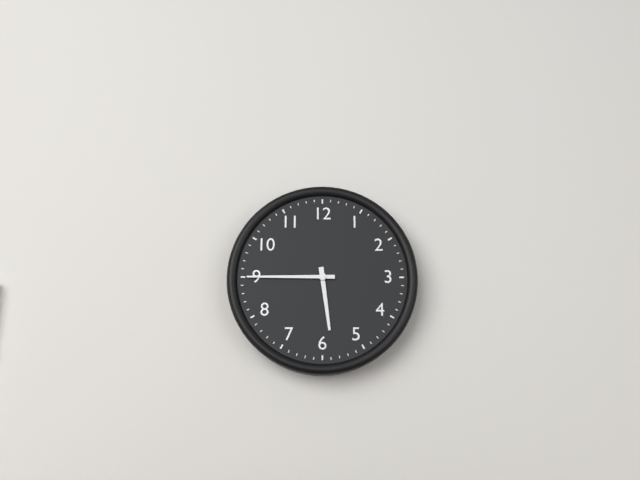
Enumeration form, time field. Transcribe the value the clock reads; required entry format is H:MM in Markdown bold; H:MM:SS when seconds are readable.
**5:45**
